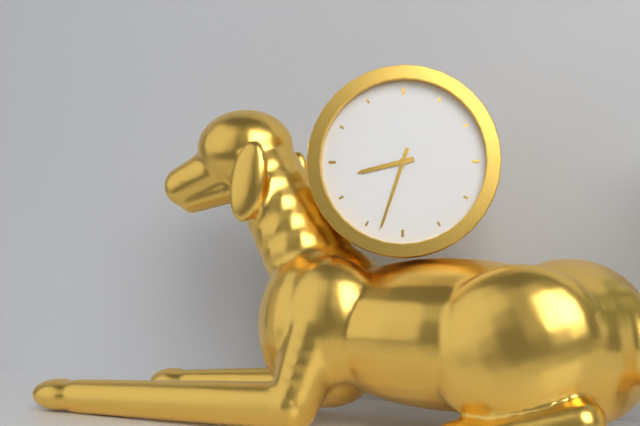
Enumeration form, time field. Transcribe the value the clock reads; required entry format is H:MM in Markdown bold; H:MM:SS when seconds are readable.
**8:33**
